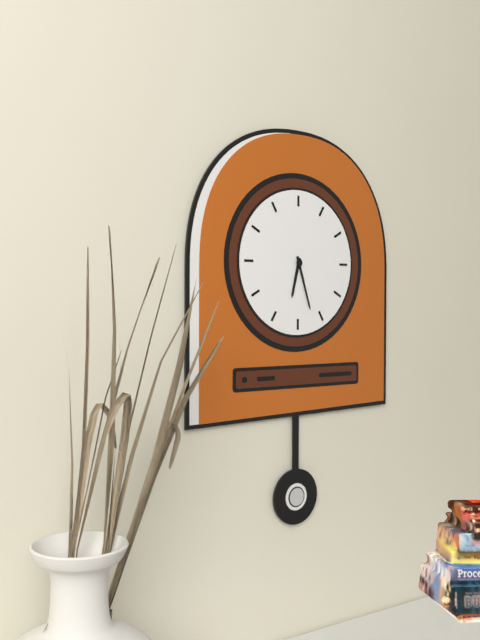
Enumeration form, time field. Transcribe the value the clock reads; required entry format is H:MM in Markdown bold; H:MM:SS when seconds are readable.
**6:27**
